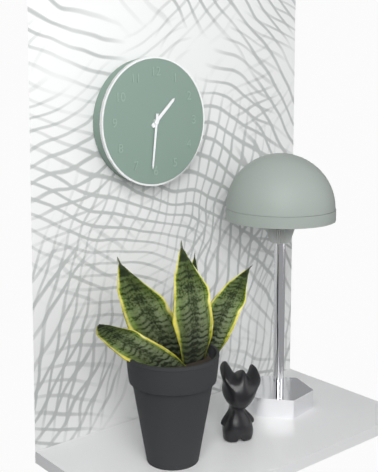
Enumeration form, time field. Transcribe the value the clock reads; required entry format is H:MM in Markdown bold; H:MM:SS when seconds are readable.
**1:31**
